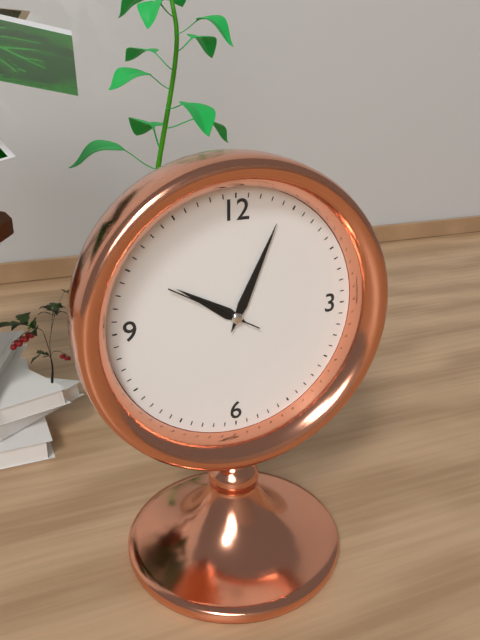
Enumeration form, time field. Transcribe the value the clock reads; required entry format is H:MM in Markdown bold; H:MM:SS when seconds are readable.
**10:04:50**
